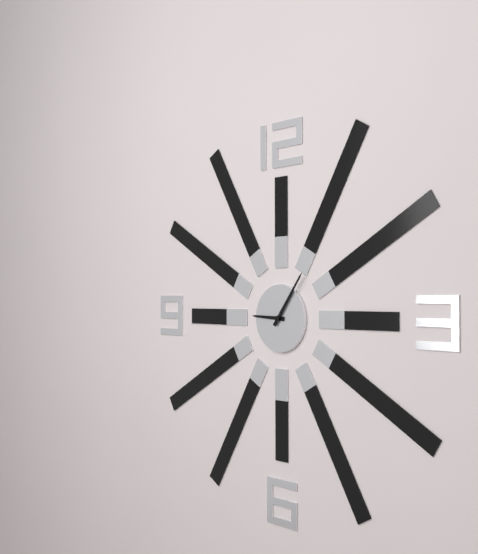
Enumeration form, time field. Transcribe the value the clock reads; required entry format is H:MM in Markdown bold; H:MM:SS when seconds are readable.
**9:06**
